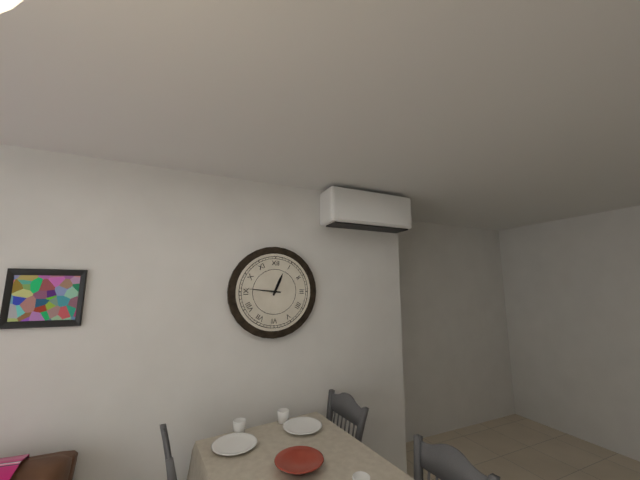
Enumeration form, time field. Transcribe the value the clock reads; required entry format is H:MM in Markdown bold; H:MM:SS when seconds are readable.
**12:46**
